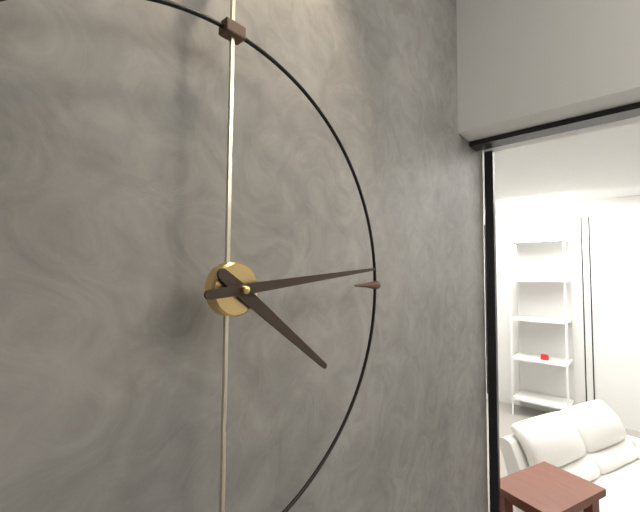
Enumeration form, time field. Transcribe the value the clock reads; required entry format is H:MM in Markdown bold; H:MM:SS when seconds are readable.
**4:14**
